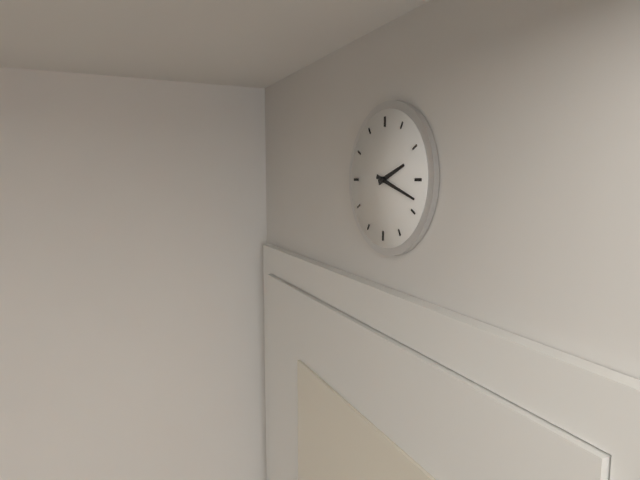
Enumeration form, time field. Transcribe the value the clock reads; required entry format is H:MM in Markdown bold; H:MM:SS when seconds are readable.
**2:18**
